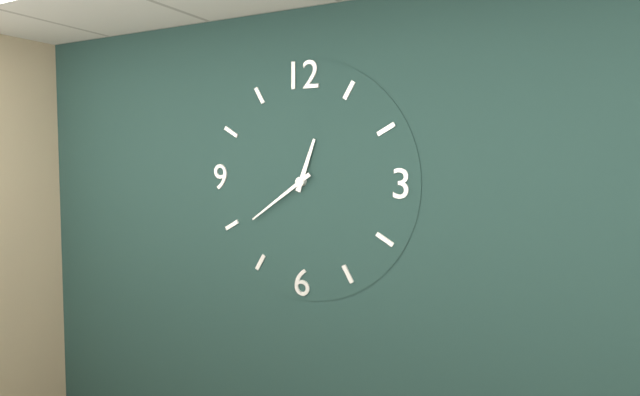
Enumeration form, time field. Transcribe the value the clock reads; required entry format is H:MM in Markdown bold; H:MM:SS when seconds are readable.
**12:39**
